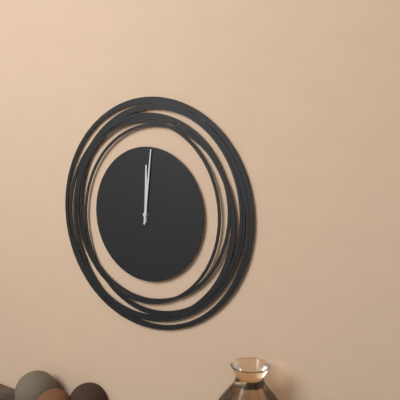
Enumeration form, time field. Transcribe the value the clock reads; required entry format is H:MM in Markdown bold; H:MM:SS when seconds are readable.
**12:01**
